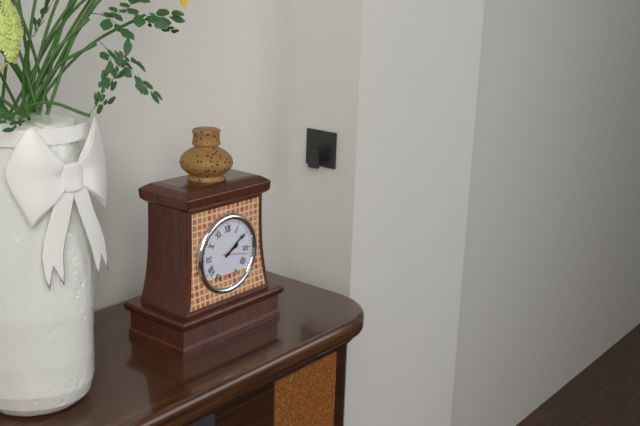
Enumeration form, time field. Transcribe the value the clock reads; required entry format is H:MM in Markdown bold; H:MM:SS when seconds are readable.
**2:09**
